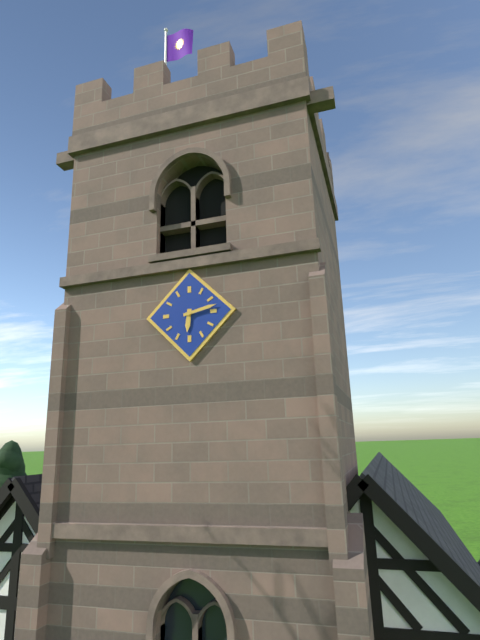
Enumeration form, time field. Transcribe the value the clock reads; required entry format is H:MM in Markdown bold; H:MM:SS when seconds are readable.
**6:13**
